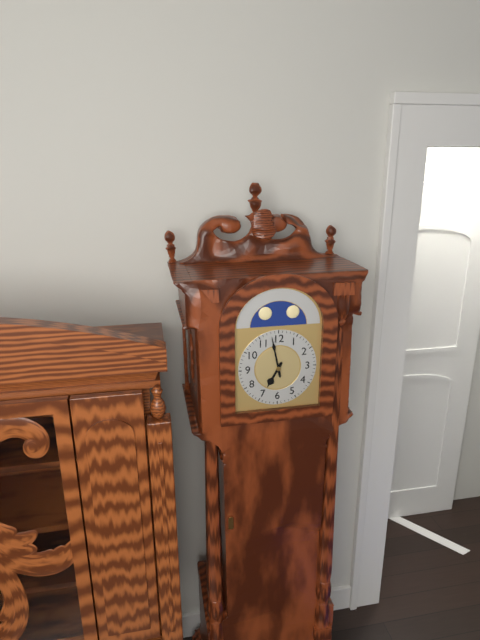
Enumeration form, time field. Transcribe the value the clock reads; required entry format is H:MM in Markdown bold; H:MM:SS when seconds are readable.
**6:58**
